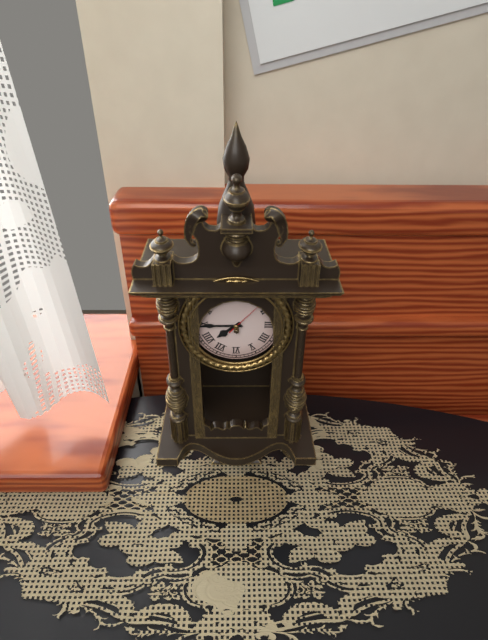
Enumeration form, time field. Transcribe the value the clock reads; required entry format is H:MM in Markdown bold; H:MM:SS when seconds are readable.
**7:45**
